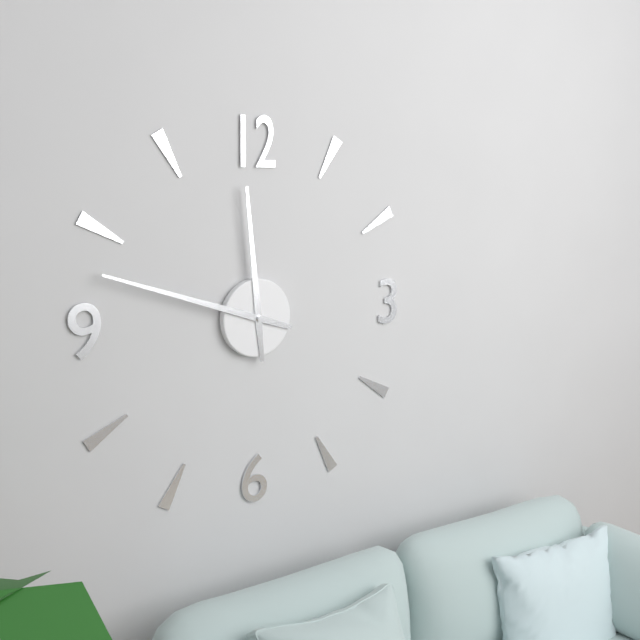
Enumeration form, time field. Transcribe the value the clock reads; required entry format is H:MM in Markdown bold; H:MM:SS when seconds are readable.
**11:48**
